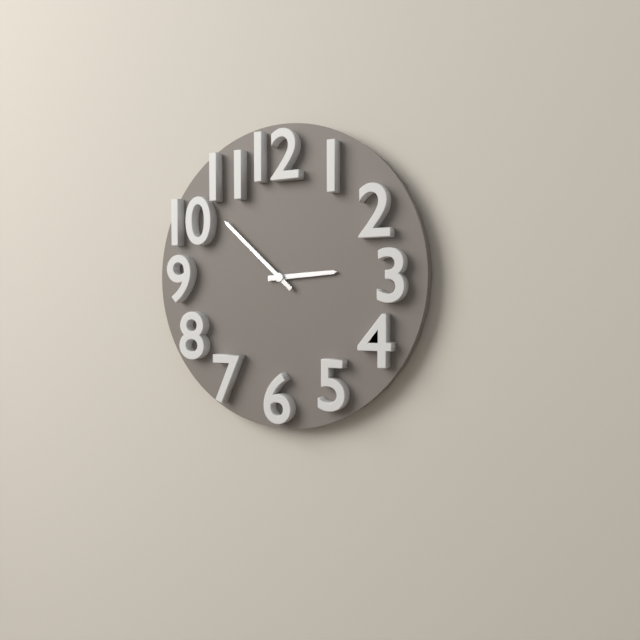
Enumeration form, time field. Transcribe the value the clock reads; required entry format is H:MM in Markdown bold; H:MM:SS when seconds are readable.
**2:52**
